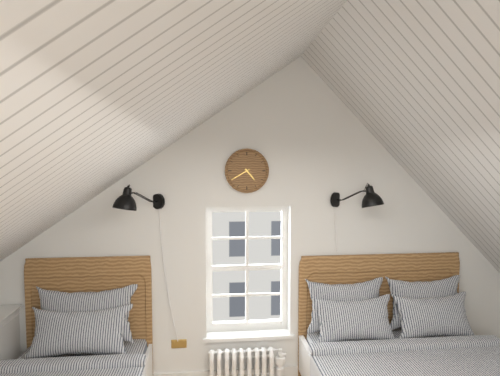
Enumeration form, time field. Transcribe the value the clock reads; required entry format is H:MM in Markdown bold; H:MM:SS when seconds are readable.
**4:40**
